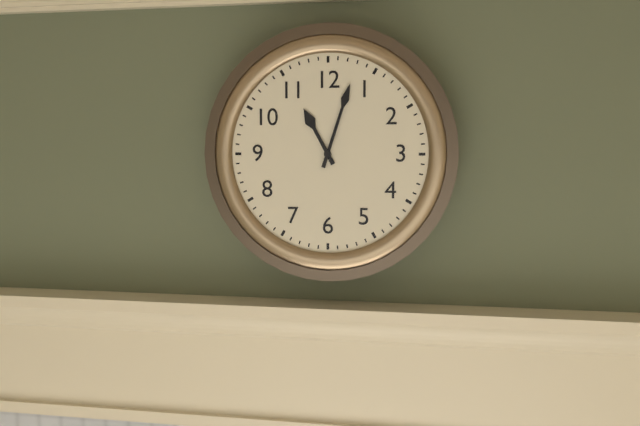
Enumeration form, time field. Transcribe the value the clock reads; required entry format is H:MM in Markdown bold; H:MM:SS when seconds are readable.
**11:03**
